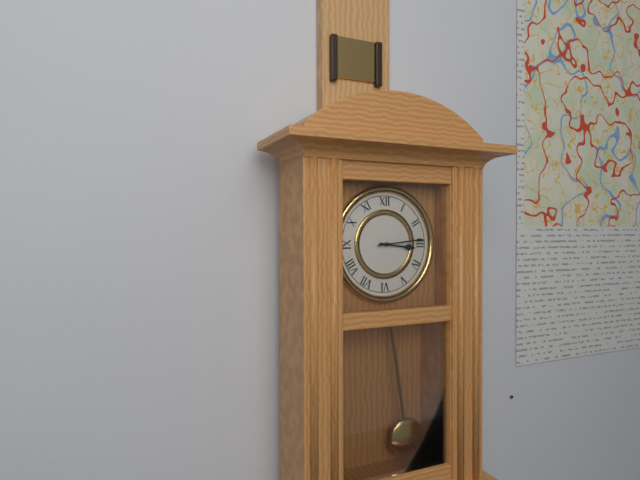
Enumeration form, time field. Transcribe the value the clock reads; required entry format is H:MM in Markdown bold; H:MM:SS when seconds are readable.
**3:14**
